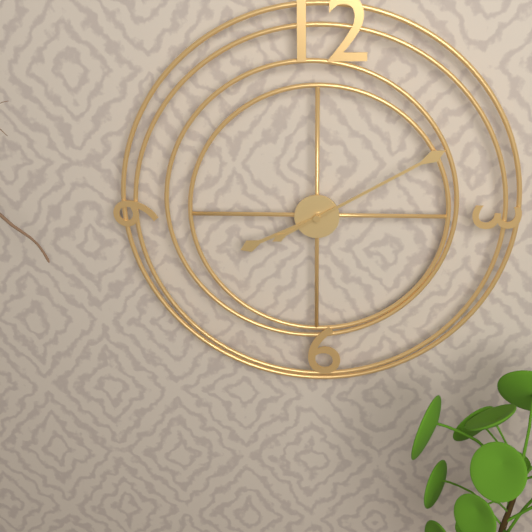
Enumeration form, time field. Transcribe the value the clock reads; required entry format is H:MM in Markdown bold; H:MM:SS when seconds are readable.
**8:10**
